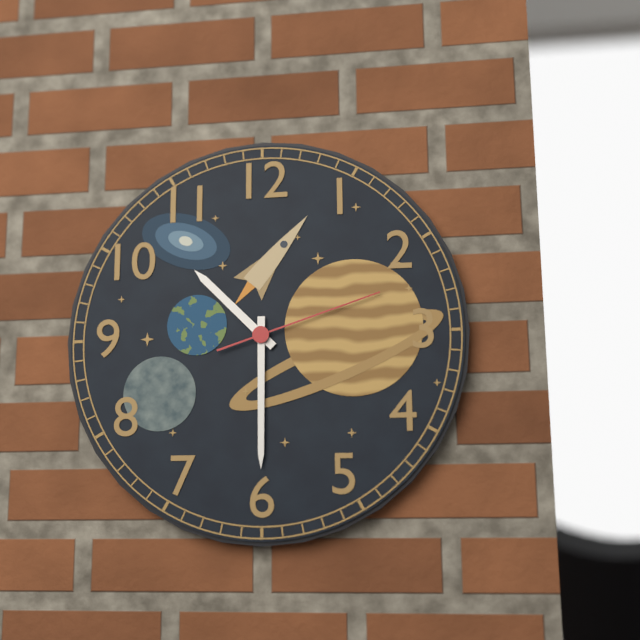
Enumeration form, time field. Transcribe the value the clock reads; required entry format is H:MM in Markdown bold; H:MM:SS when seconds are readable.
**10:30:12**
